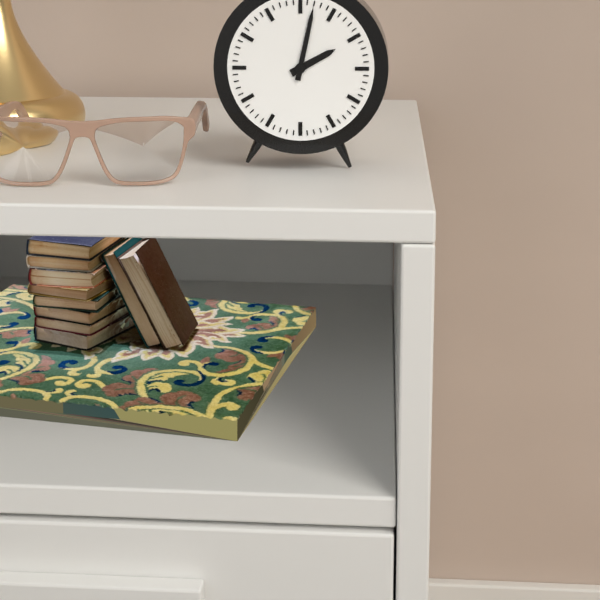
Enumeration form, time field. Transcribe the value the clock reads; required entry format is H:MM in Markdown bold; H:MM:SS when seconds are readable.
**2:02**
